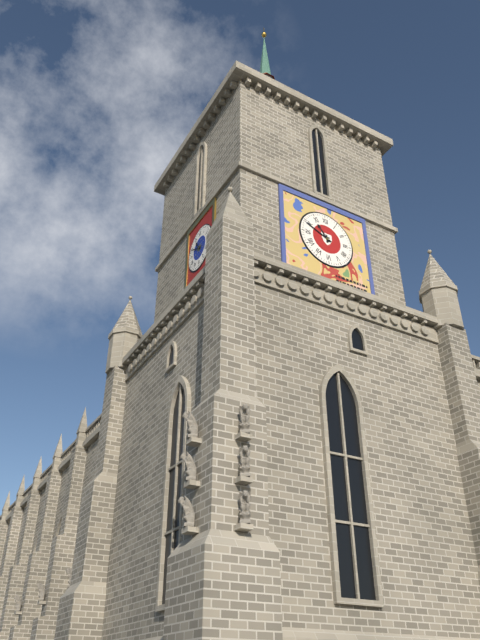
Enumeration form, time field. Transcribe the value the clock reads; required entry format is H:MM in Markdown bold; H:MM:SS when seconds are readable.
**10:49**
